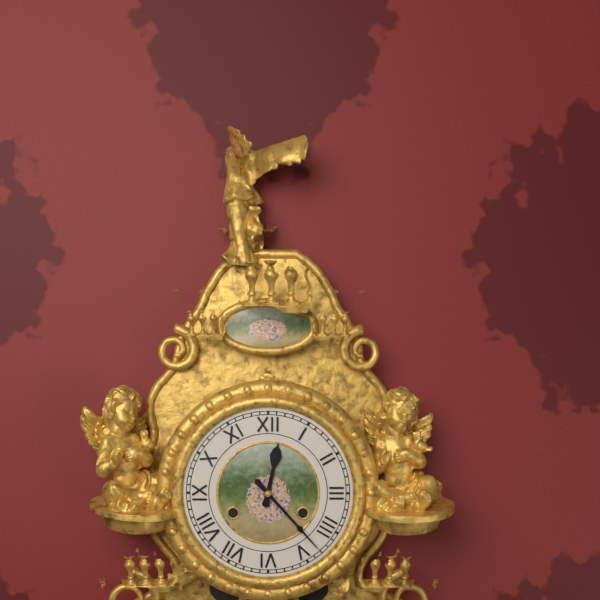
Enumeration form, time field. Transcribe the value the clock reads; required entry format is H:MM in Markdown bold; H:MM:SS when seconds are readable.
**12:23**
